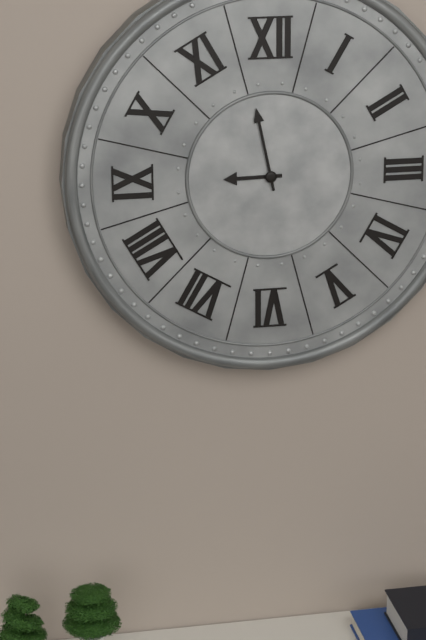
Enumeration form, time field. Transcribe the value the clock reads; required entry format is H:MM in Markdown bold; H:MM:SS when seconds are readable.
**8:58**
